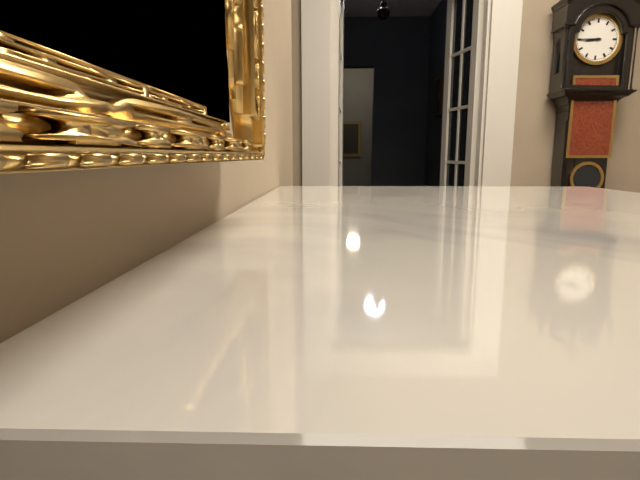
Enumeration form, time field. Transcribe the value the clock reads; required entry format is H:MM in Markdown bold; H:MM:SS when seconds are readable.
**8:45**
